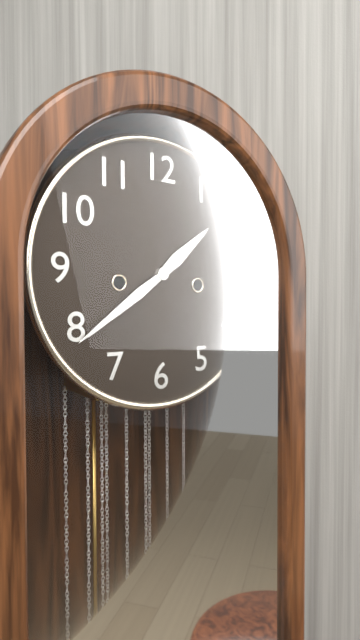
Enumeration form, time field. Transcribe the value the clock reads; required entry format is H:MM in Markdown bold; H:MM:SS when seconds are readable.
**1:39**
